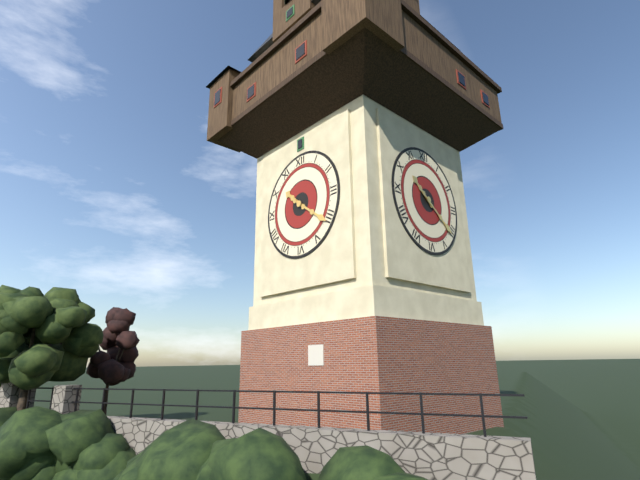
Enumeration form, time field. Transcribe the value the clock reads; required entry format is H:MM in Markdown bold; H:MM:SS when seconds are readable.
**10:21**
